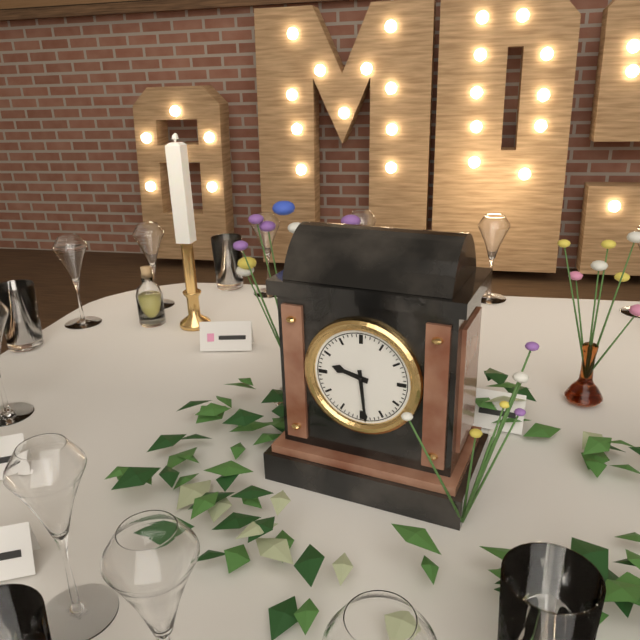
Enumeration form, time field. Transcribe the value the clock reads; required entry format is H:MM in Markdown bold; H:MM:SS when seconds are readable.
**9:29**
